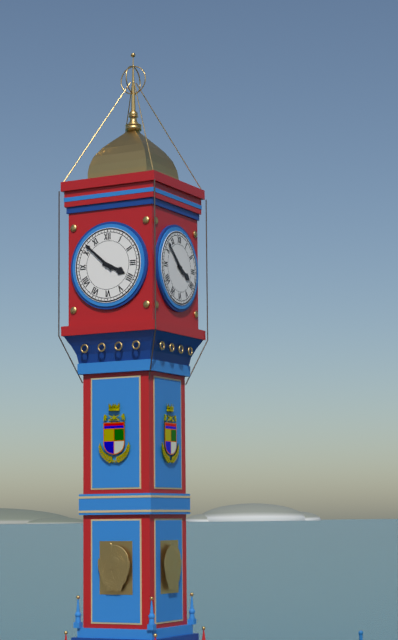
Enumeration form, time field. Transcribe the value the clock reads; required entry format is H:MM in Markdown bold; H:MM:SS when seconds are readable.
**3:52**
